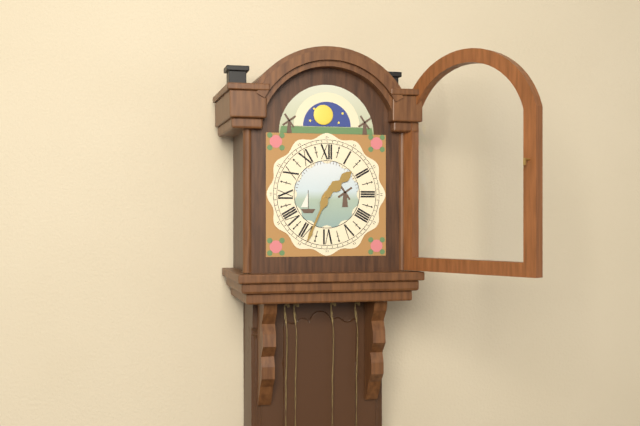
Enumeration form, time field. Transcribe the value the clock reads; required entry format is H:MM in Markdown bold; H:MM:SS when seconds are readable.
**1:34**
